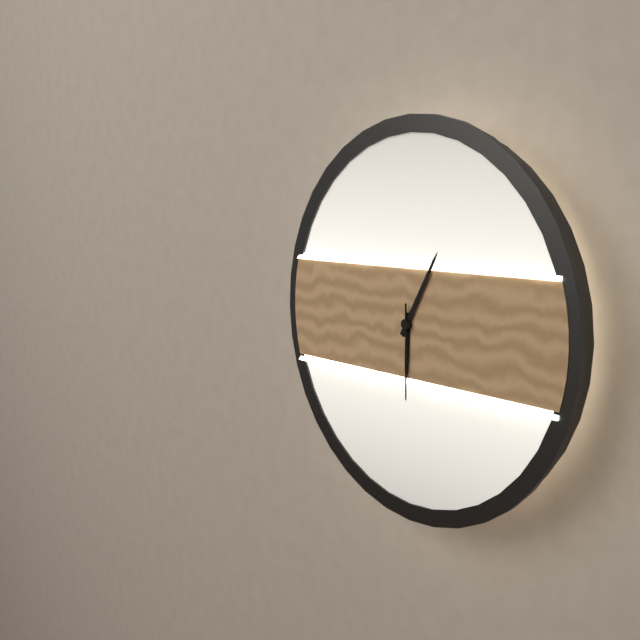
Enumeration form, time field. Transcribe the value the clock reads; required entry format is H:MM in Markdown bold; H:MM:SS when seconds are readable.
**6:05:30**
